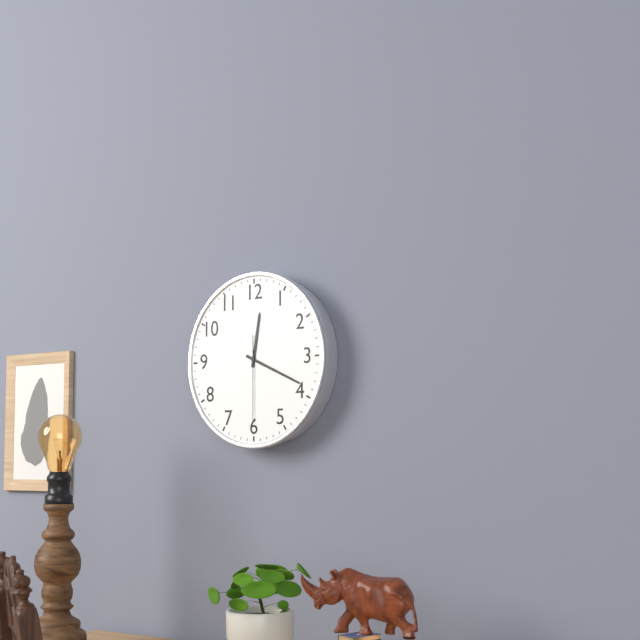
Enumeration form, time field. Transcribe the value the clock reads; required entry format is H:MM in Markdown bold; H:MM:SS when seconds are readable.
**12:19:30**
